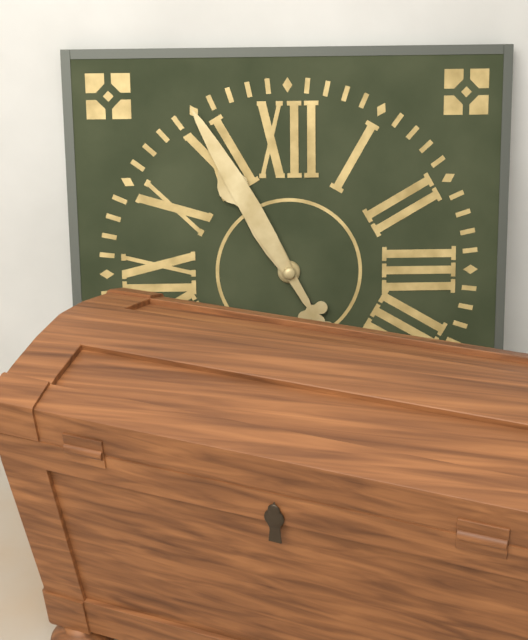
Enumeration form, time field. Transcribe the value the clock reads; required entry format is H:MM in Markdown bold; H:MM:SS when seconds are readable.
**10:55**
